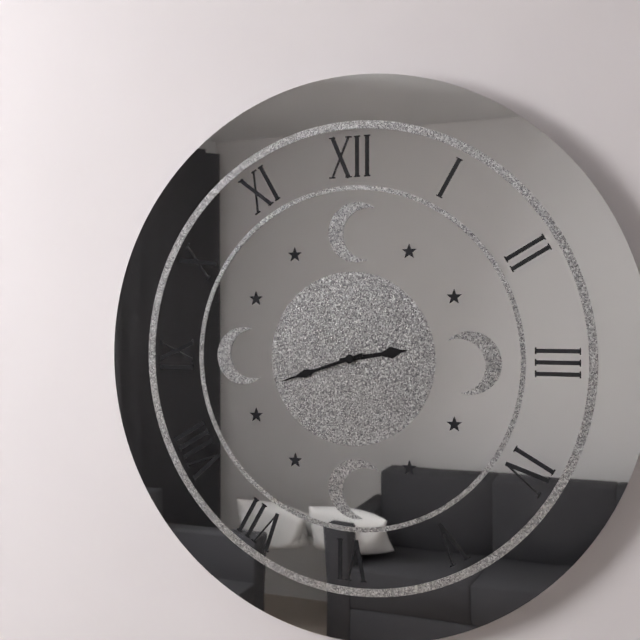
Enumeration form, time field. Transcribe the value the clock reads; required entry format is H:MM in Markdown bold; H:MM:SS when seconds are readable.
**2:42**
